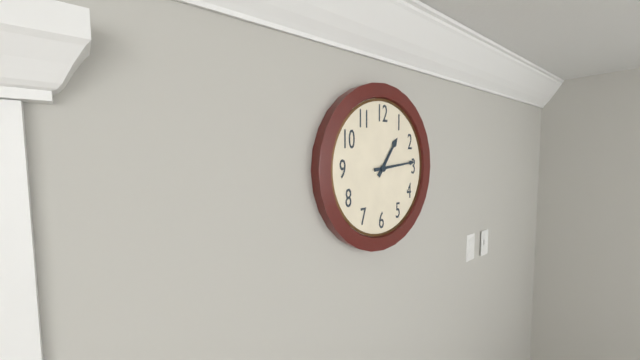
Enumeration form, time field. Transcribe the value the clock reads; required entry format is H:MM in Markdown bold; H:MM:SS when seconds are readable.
**1:14**
